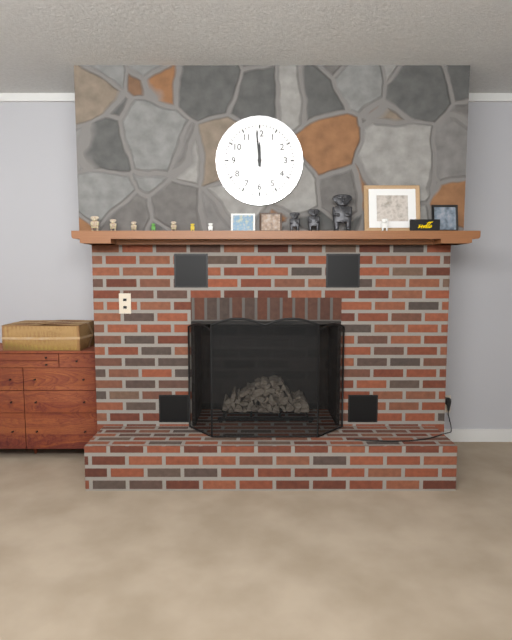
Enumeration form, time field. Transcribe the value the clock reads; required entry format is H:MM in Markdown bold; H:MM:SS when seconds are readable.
**11:59**
